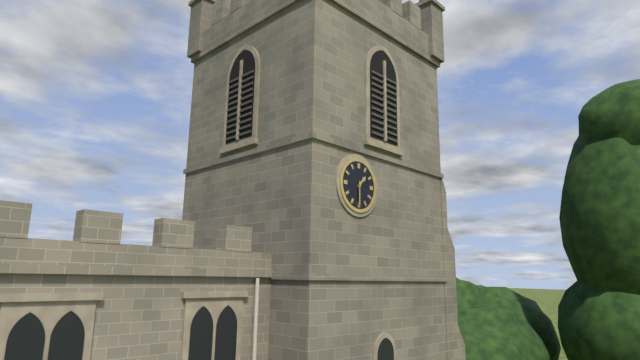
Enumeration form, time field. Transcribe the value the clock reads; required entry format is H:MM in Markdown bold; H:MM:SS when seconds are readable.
**1:30**
